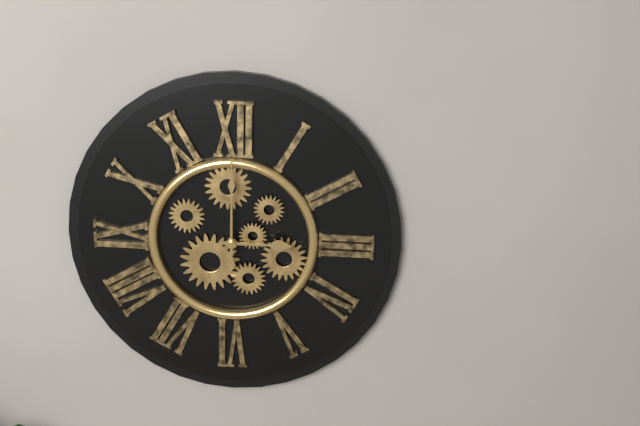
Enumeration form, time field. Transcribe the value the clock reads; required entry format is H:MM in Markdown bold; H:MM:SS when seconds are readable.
**3:00**
